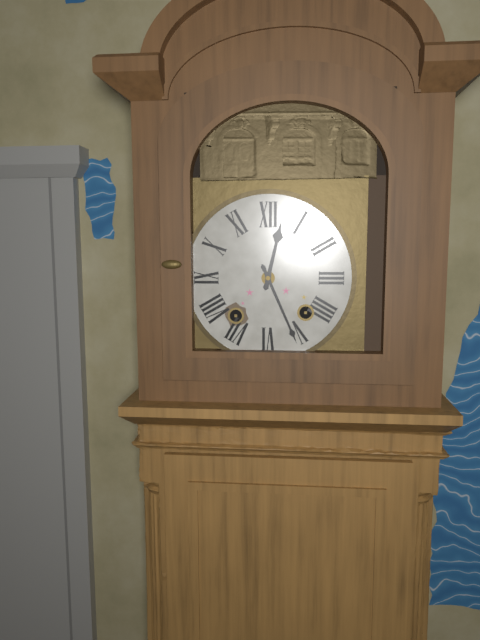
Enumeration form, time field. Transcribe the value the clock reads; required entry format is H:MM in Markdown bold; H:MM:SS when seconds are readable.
**12:26**
